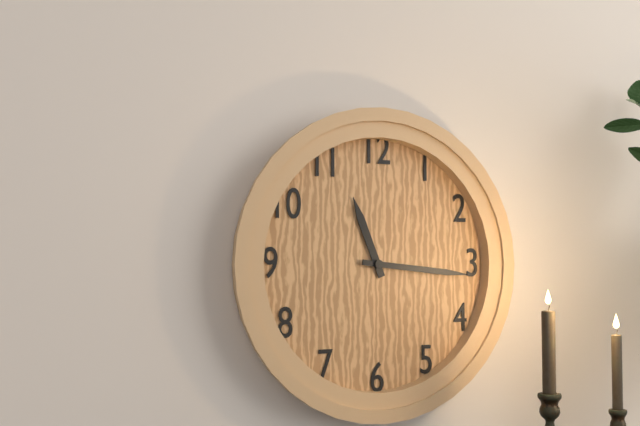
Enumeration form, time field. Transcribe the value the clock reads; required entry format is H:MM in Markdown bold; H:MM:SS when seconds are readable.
**11:16**
